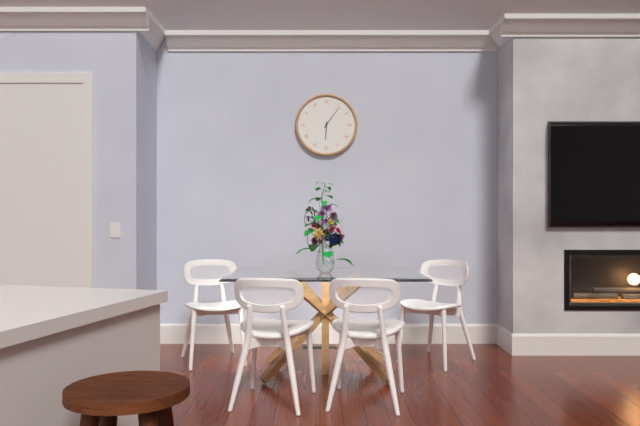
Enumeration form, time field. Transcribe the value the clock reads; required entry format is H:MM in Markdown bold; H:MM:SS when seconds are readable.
**6:06**
